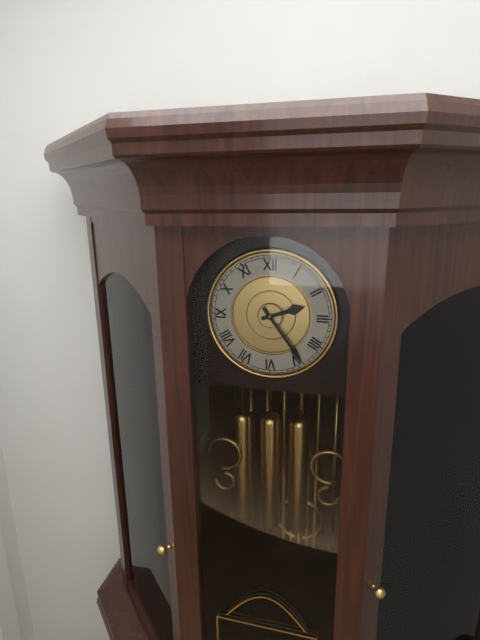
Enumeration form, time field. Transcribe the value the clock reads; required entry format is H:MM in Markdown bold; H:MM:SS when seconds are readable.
**2:24**
